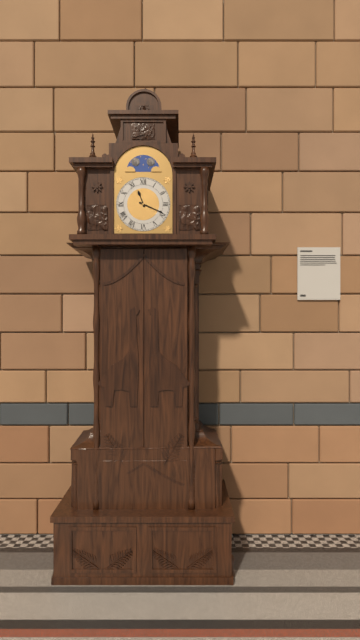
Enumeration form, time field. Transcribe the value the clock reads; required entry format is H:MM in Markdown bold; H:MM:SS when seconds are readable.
**11:19**
